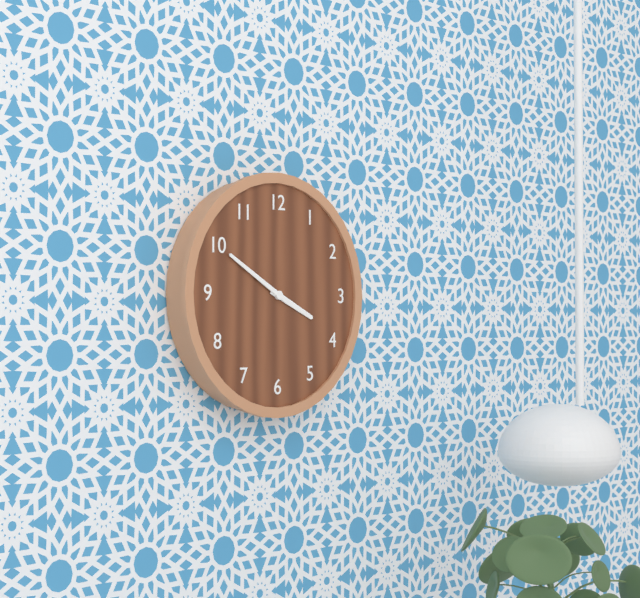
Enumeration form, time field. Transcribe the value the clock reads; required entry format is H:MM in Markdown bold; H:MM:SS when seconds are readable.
**3:50**
